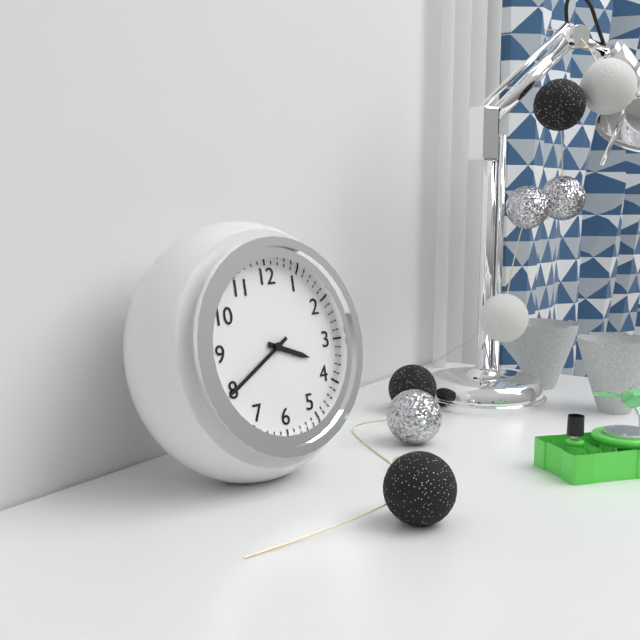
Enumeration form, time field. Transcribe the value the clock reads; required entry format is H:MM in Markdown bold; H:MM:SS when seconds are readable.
**3:40**
